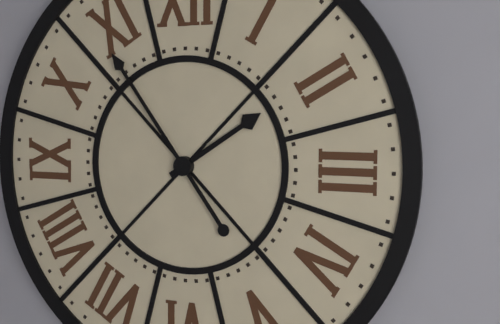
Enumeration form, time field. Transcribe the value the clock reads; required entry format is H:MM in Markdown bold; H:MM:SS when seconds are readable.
**1:54**
